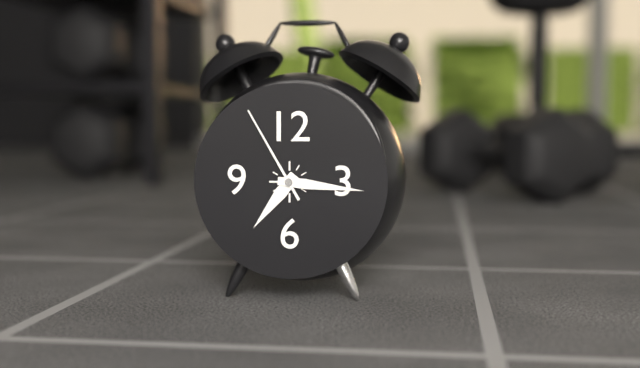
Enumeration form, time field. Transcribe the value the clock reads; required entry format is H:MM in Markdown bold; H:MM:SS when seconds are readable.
**7:16:55**
